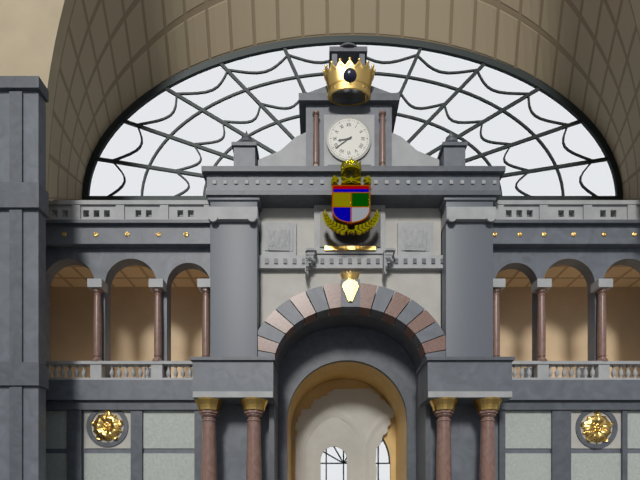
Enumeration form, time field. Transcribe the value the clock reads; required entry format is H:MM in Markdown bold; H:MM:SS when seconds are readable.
**8:39**
